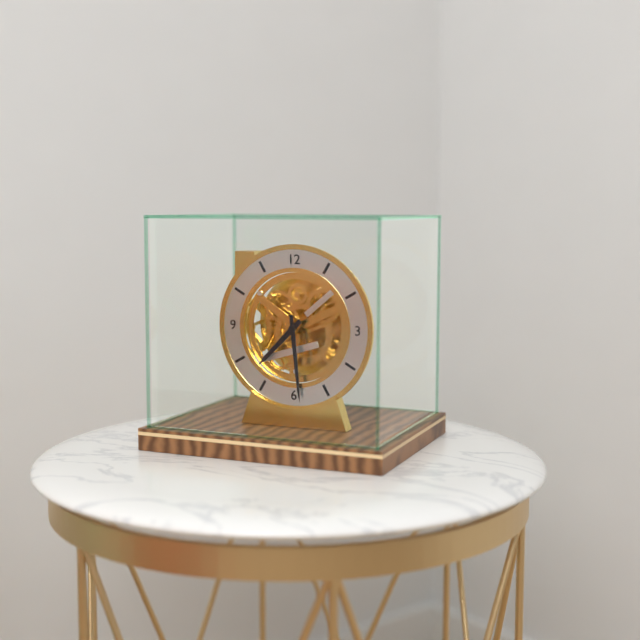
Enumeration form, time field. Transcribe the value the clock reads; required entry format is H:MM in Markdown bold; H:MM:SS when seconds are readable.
**7:29**
